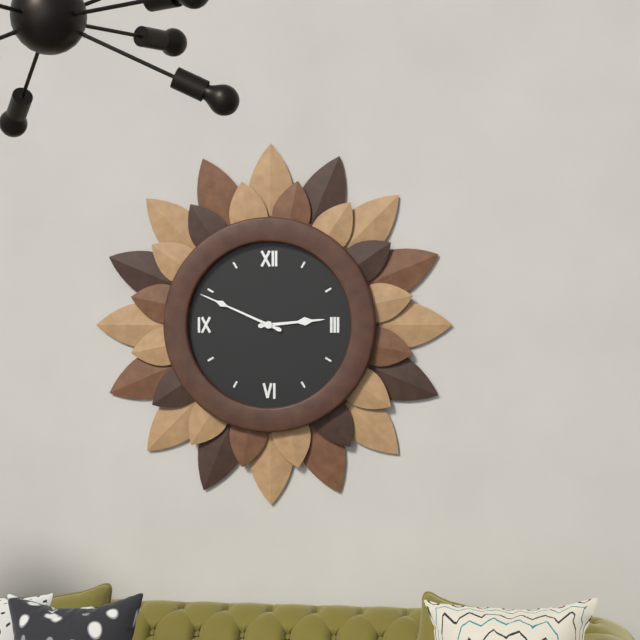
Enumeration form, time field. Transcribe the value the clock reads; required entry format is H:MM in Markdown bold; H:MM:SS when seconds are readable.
**2:49**
